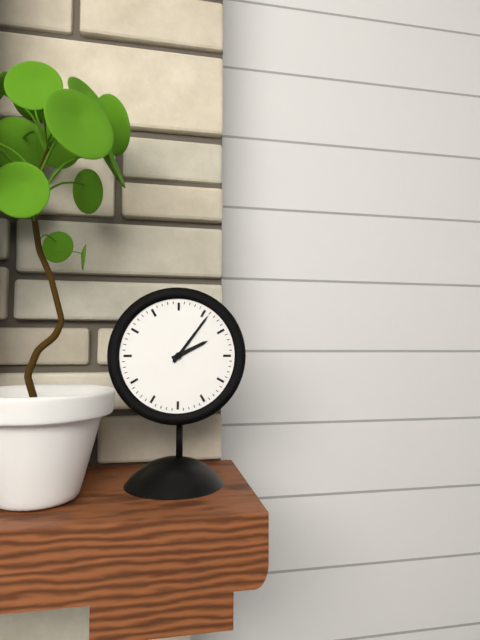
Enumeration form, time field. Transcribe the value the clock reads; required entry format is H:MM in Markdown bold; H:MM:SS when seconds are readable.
**2:06**
